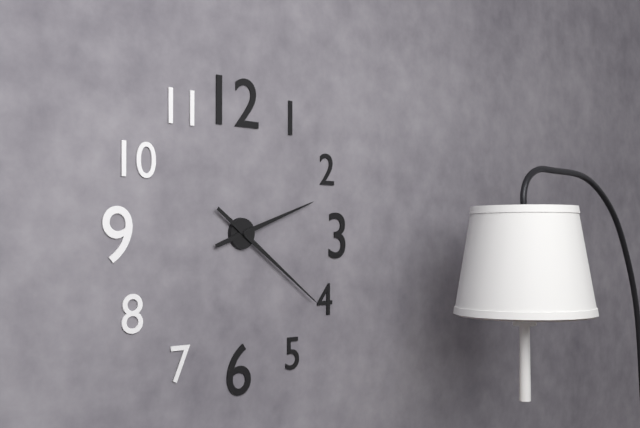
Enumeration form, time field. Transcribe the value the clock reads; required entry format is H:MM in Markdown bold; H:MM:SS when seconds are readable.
**2:21**
